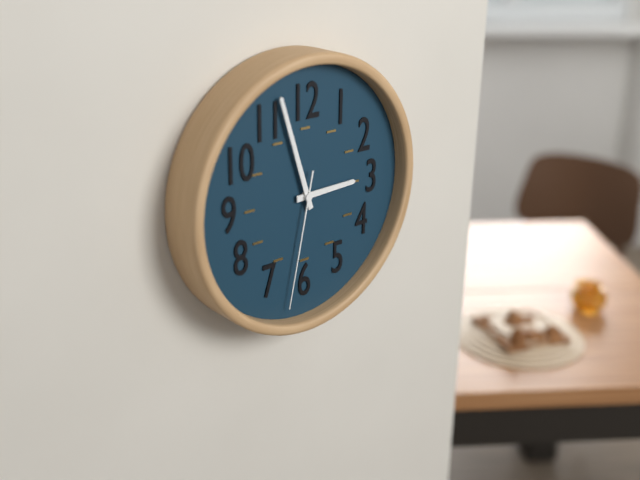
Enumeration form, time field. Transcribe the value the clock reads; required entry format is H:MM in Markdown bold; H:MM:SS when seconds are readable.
**2:57:32**
